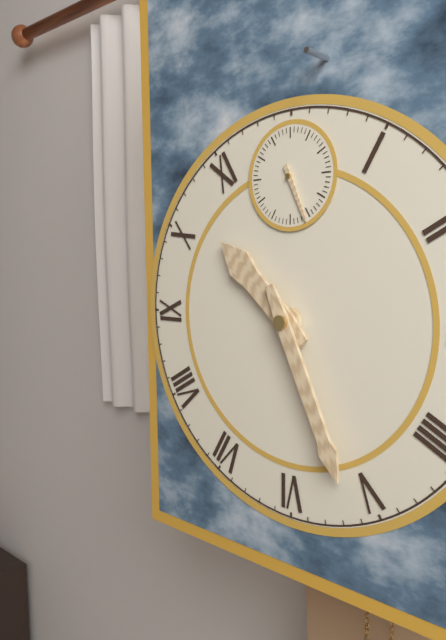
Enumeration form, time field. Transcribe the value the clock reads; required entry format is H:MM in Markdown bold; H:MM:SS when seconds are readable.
**10:26:26**
